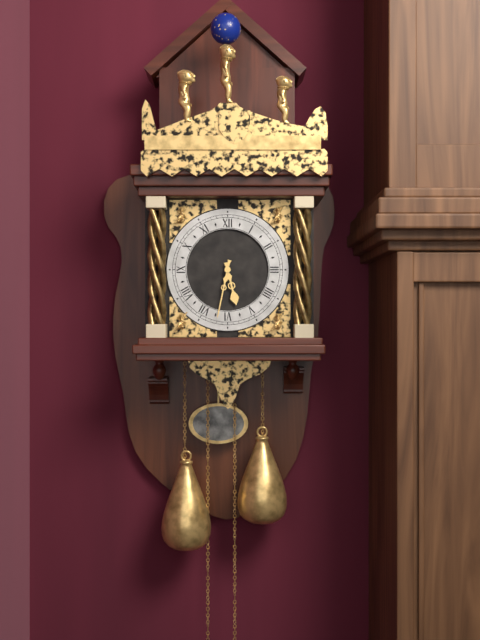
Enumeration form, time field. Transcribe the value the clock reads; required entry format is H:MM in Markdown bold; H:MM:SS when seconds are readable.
**5:32**
